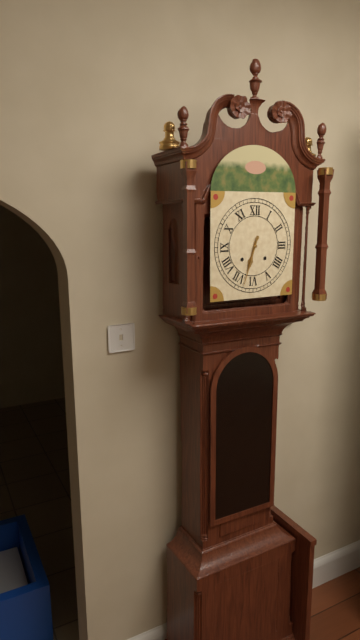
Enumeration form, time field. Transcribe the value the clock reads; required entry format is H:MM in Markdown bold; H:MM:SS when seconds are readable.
**6:33**
